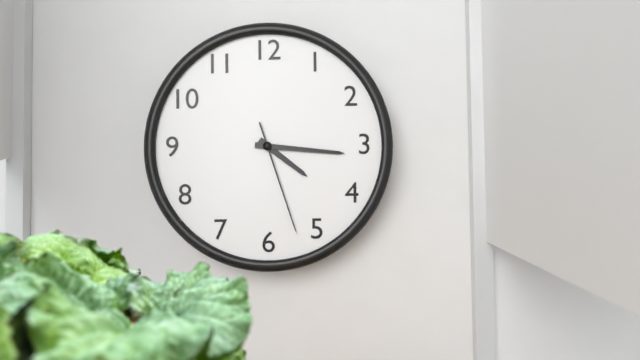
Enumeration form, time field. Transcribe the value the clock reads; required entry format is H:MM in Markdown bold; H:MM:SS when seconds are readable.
**4:16:27**
